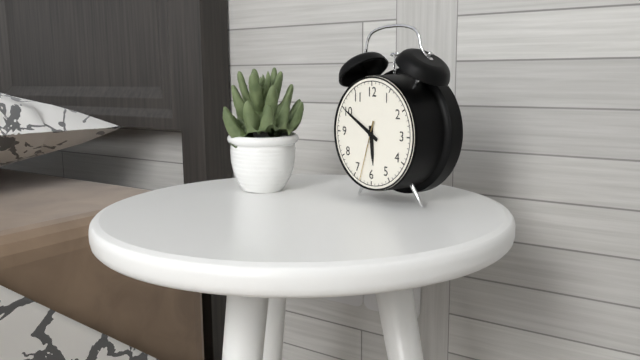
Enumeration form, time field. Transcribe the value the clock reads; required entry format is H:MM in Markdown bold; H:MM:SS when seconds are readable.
**5:50:33**
